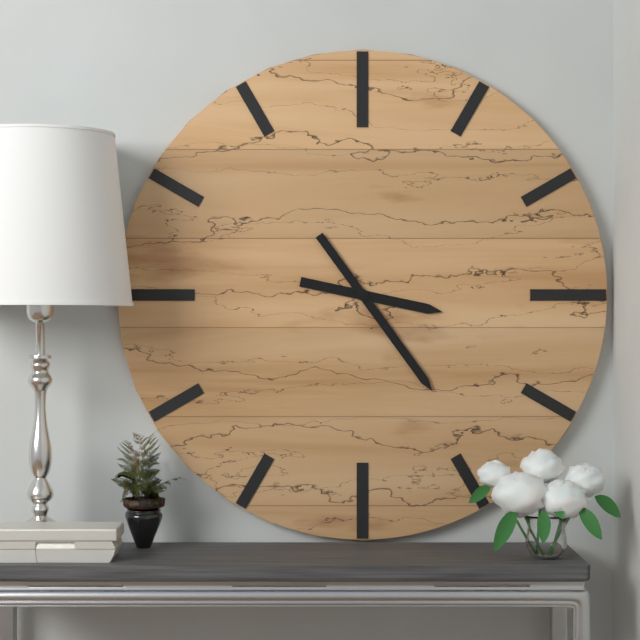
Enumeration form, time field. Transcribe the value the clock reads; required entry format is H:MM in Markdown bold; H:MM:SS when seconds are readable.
**3:24**
